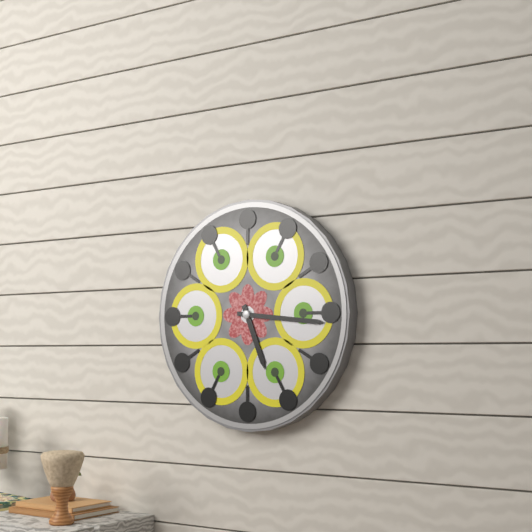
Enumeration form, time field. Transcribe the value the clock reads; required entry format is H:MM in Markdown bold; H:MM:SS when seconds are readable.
**5:16**
